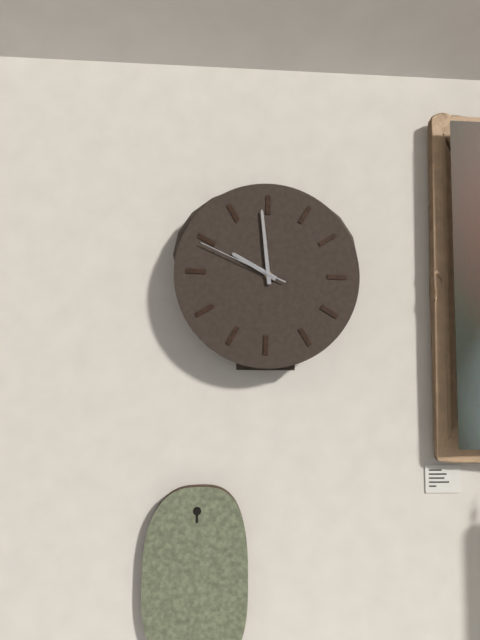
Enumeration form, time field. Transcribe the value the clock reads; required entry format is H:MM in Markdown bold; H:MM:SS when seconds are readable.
**9:59:49**
